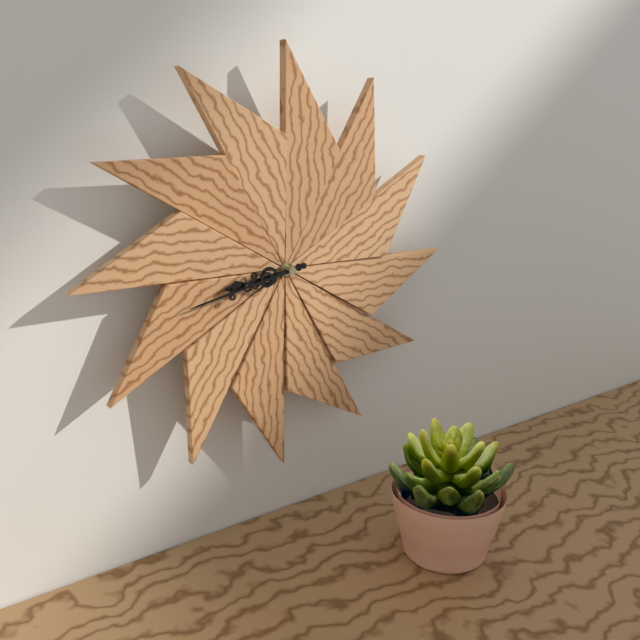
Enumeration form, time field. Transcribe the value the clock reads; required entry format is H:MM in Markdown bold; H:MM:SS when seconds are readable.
**8:43**
